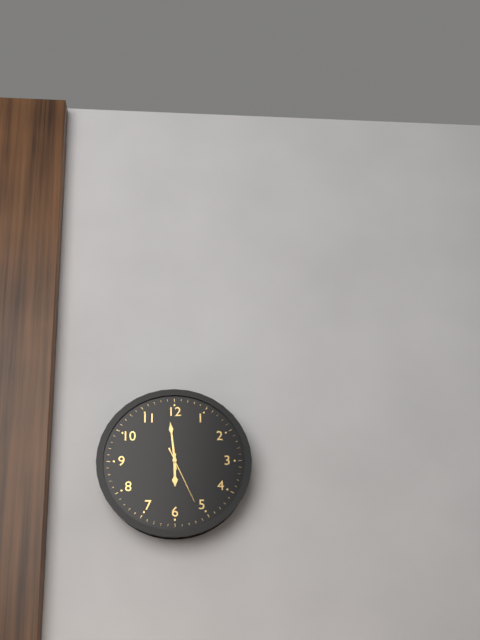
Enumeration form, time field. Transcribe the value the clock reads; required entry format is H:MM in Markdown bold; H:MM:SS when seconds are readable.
**5:59:26**
